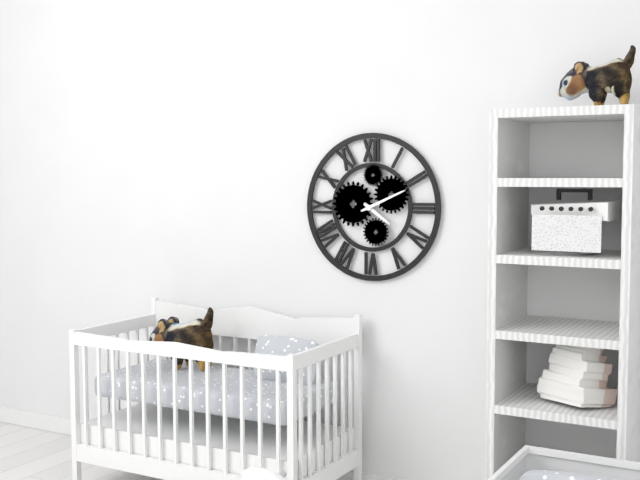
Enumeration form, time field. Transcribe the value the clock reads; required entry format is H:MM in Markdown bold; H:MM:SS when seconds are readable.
**4:11**
